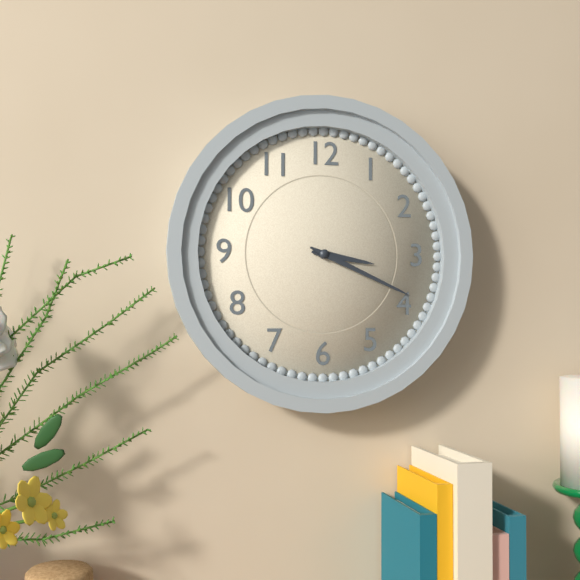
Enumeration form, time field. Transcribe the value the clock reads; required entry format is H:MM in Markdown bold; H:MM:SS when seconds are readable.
**3:19**
